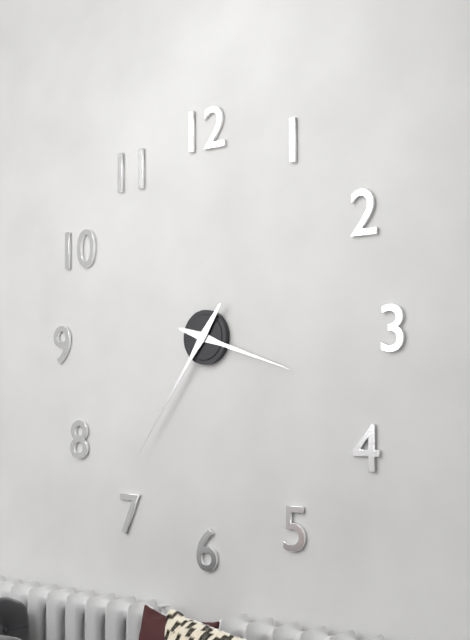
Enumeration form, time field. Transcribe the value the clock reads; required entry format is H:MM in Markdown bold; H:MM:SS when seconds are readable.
**3:36**
